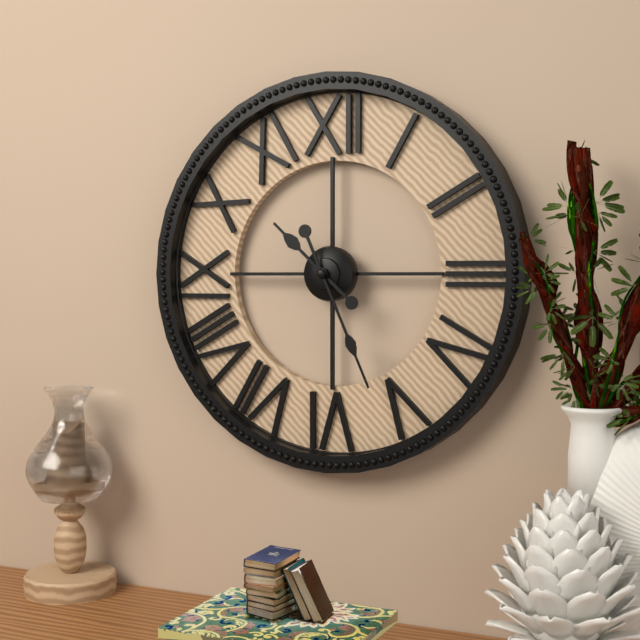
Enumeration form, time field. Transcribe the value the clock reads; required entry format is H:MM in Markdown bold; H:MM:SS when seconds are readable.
**10:26**
